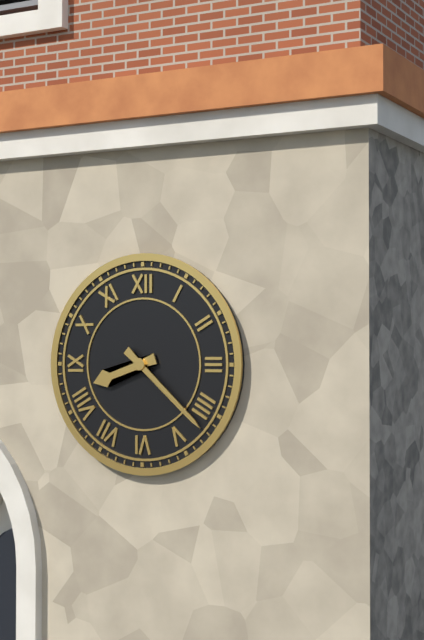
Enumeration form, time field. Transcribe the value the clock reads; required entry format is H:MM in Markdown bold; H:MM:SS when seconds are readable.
**8:22**
